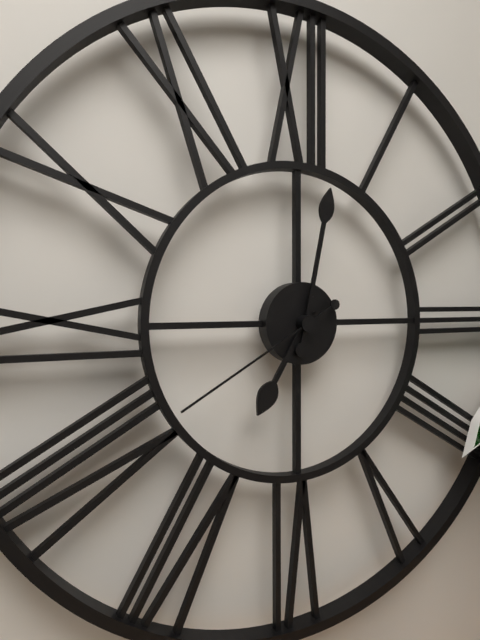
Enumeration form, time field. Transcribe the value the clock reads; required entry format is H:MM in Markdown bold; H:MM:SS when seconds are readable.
**7:02:40**
